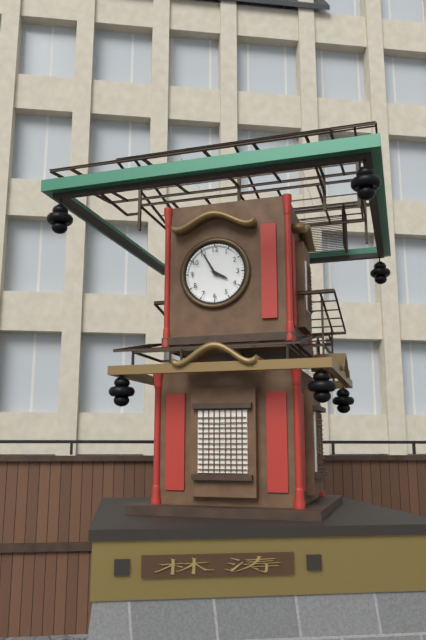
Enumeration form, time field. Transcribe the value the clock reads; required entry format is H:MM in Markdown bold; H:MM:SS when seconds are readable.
**3:55**
